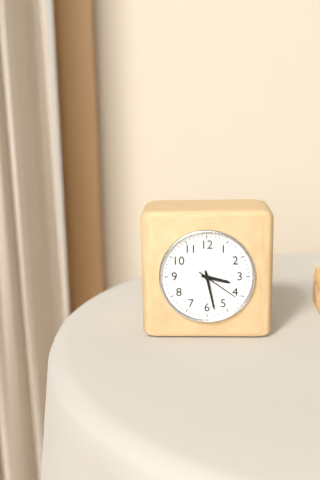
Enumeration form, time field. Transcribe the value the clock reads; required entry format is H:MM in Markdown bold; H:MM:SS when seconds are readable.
**3:28**
